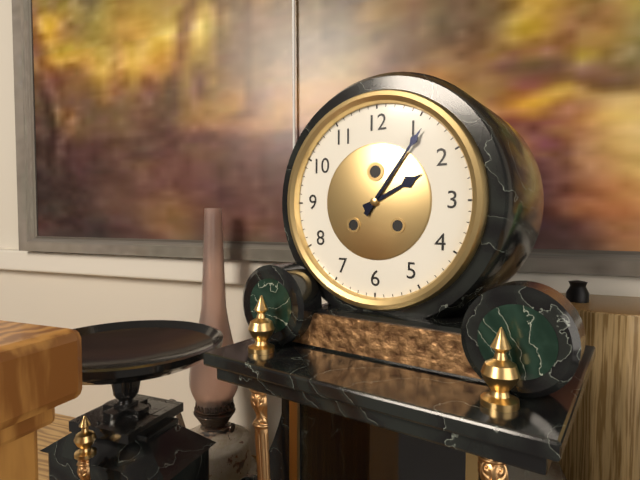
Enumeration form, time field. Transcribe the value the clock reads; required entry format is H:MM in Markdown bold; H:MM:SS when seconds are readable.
**2:06**
